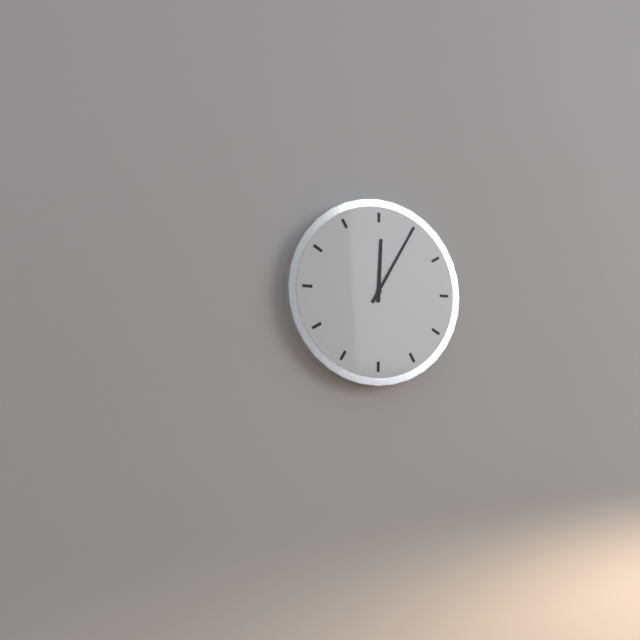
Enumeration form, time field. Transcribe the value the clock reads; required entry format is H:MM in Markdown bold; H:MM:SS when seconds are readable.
**12:05**
